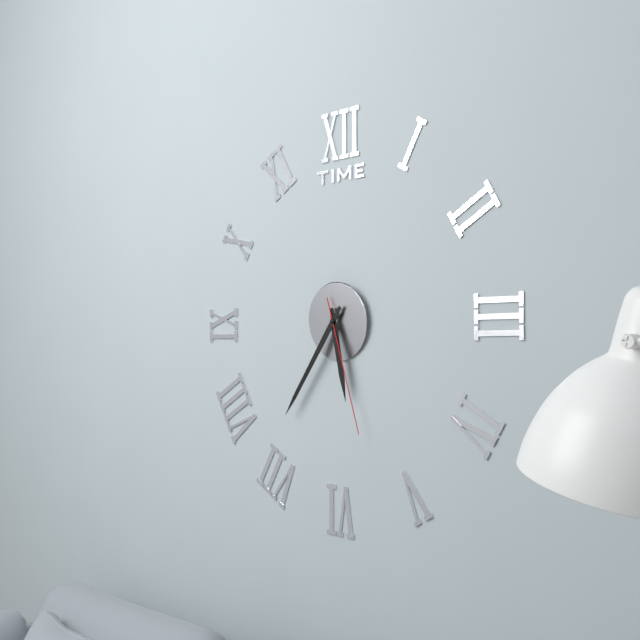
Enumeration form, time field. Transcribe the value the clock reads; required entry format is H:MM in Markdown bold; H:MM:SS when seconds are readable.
**5:36:27**
